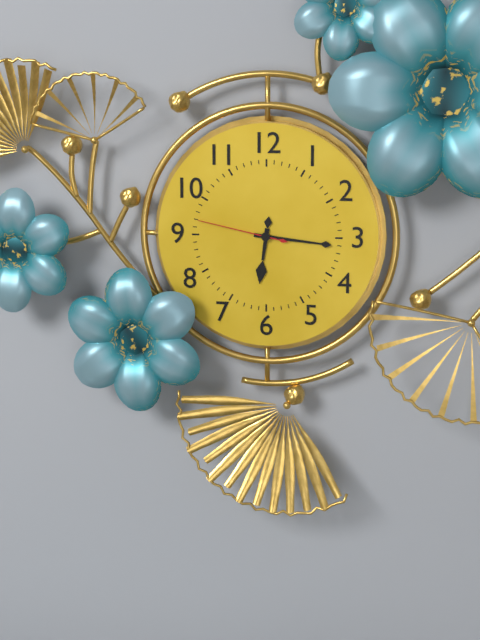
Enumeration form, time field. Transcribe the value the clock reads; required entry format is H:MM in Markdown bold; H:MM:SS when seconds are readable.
**6:16:47**
